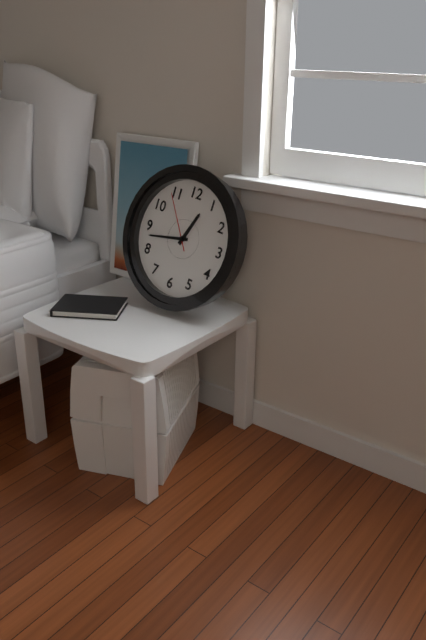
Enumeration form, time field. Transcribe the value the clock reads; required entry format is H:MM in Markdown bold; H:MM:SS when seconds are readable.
**12:43:54**
